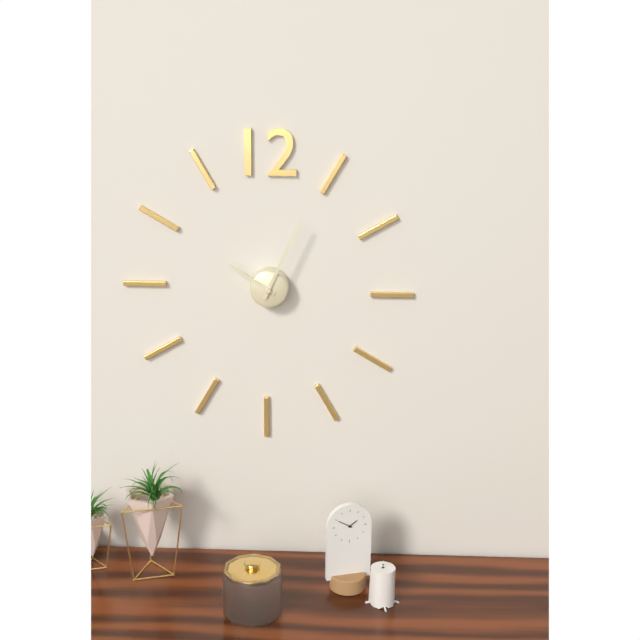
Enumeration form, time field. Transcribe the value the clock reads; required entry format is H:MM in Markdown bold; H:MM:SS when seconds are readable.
**10:04**
